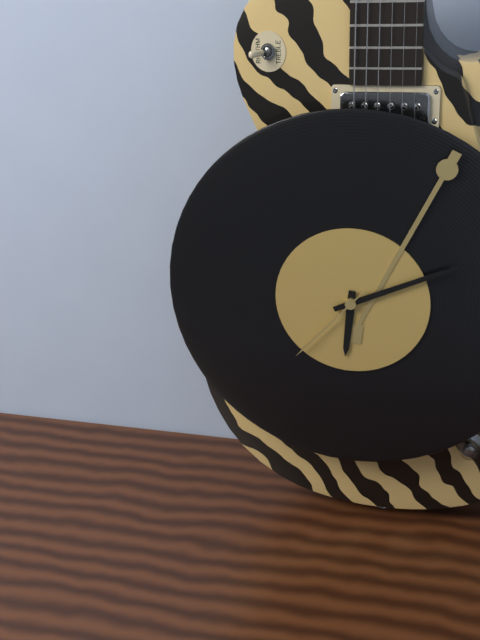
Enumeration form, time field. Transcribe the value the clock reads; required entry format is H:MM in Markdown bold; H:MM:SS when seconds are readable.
**6:11:37**
